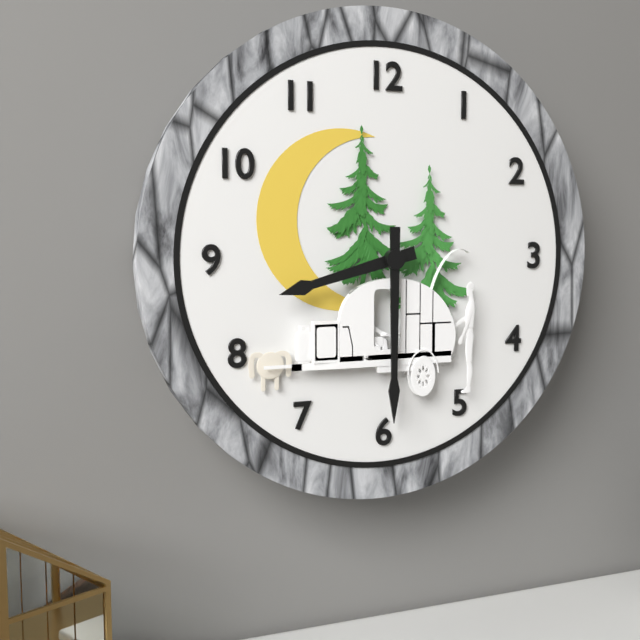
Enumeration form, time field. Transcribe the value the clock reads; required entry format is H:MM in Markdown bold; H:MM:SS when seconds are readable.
**8:30**
